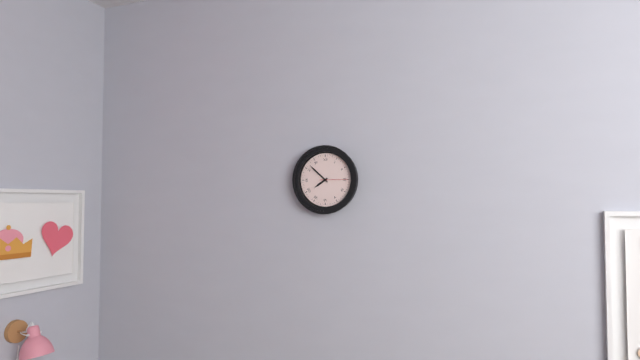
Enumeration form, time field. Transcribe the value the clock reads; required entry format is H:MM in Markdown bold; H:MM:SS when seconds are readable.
**7:52**
